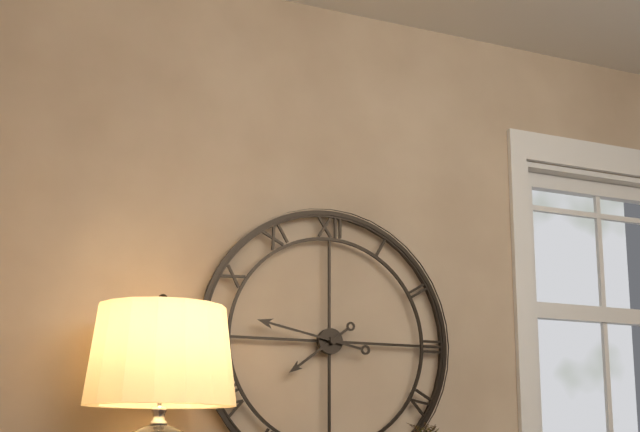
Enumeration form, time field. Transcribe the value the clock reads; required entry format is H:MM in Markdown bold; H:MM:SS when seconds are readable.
**7:47**
